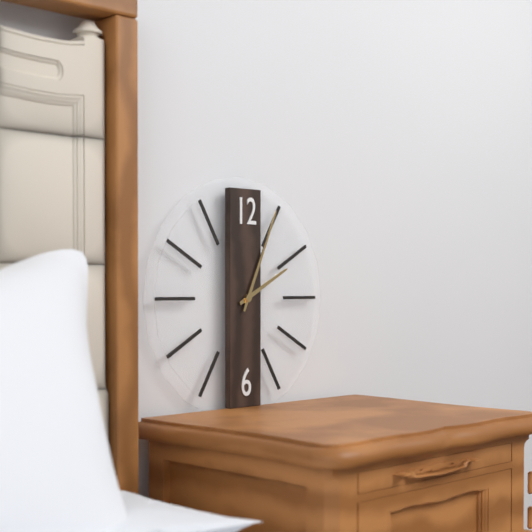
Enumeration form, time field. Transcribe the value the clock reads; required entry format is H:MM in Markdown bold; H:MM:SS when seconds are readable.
**2:04**
